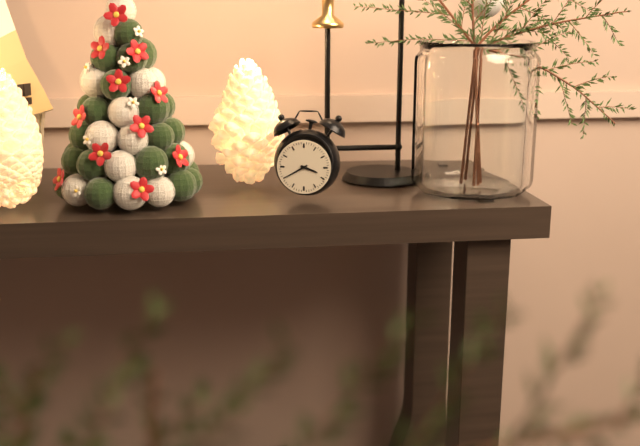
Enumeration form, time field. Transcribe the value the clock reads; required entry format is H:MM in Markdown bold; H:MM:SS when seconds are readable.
**3:40**
